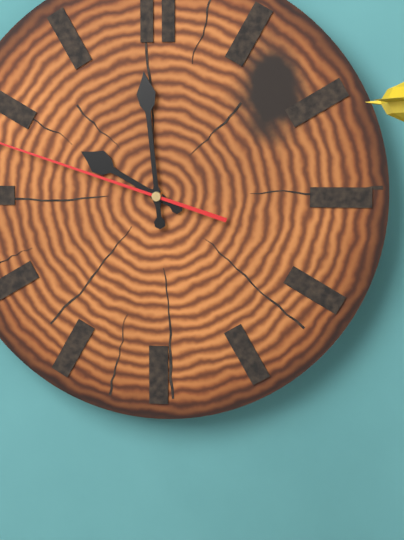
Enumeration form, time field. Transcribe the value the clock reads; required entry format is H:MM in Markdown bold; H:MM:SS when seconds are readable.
**9:59**
